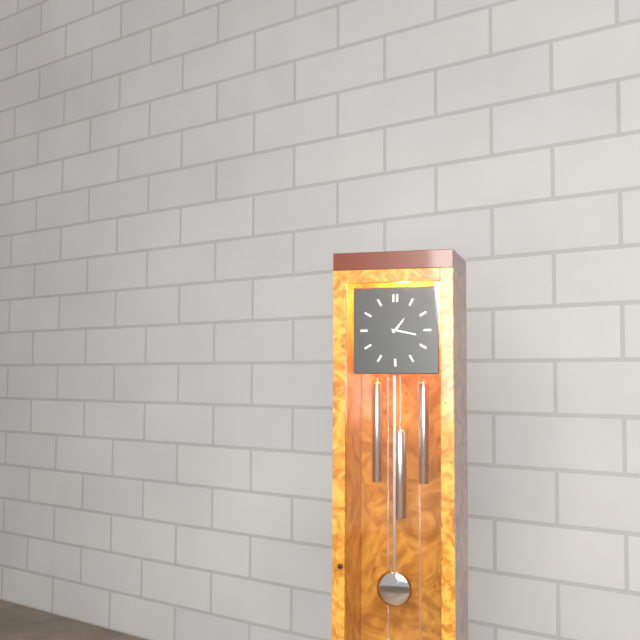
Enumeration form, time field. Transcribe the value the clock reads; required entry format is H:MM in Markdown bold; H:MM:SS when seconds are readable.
**1:17**
